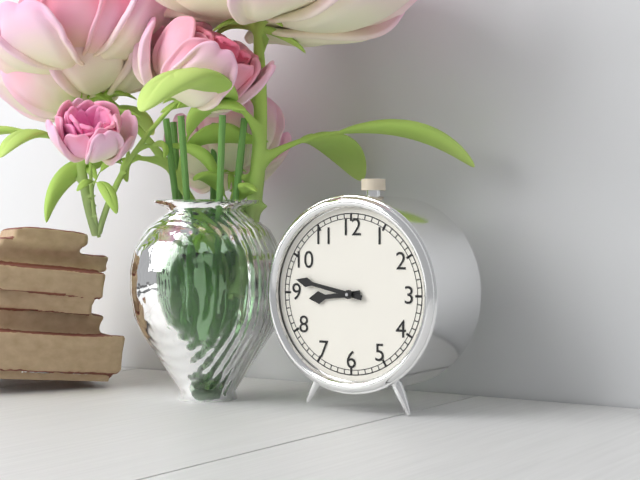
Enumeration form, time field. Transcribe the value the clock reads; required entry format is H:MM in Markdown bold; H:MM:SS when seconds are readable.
**8:47**
